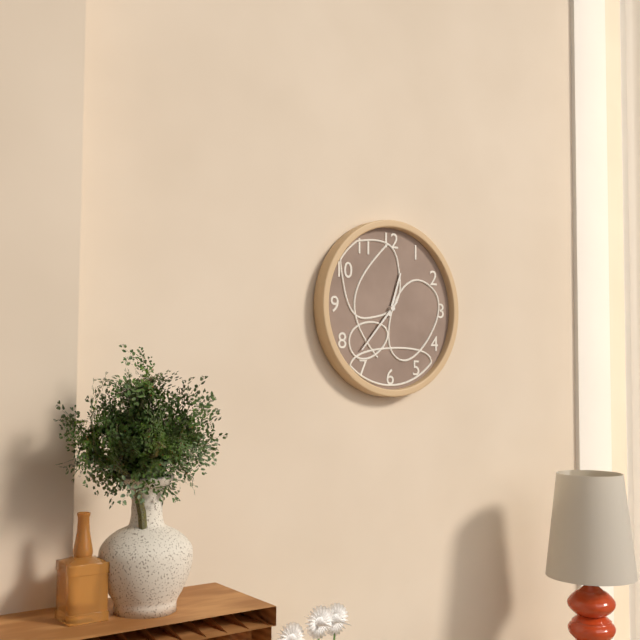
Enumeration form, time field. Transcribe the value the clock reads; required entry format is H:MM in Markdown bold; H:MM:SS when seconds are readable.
**12:37**
